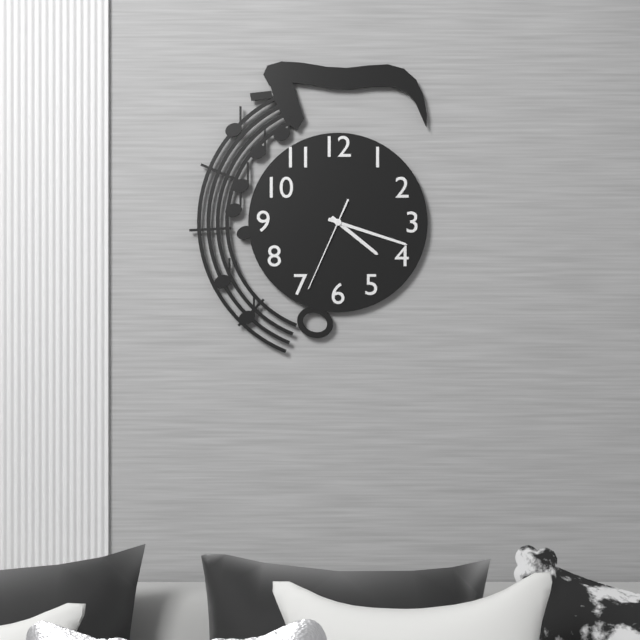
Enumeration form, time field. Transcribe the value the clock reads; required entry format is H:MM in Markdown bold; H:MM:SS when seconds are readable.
**4:18:34**
